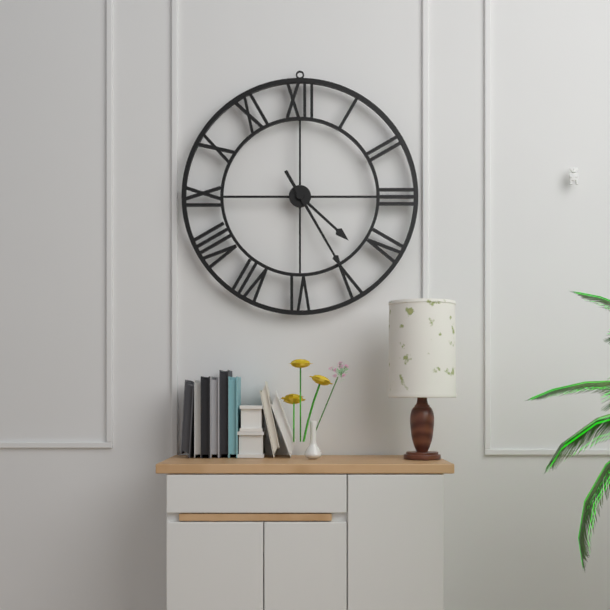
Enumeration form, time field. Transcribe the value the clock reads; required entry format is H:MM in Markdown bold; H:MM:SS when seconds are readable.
**4:25**
